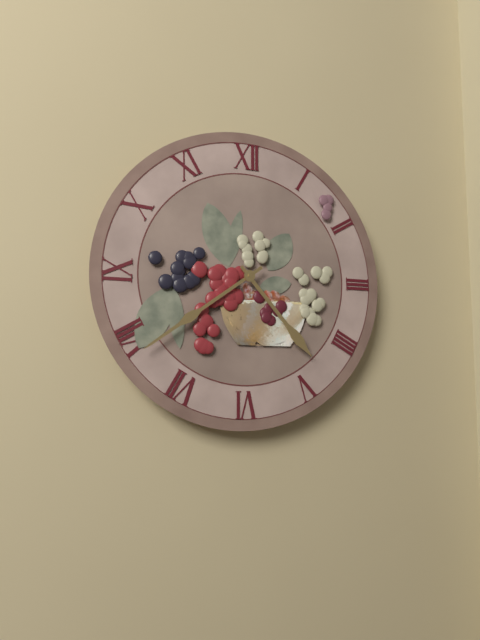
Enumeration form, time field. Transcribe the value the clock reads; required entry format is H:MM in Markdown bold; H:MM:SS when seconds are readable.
**4:39**
